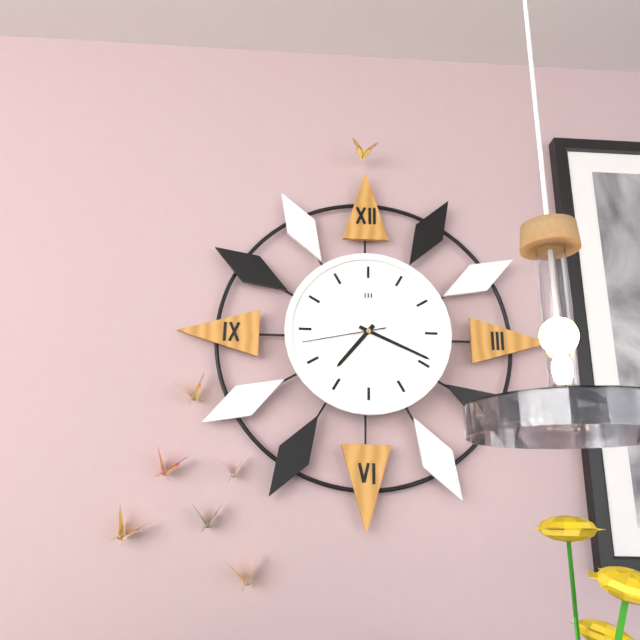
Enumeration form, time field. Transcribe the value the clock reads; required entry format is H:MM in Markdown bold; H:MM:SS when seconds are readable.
**7:19:43**
